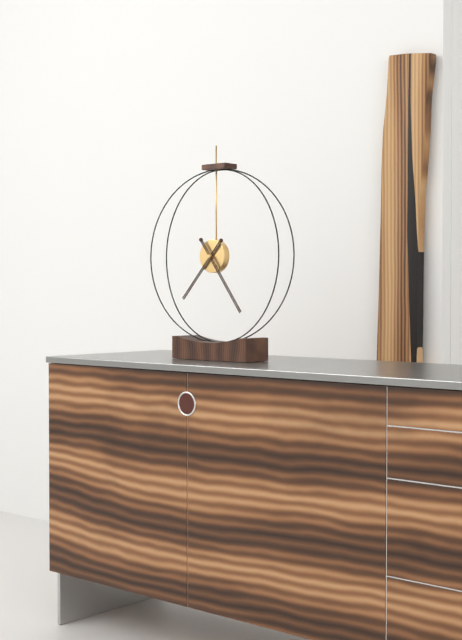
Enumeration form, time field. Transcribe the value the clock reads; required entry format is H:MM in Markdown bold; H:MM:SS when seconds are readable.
**7:24**
